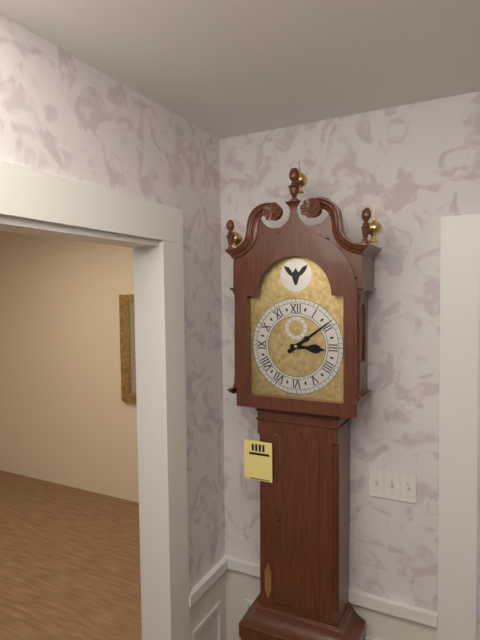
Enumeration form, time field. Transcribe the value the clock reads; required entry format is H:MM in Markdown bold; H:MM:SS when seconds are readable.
**3:09**
